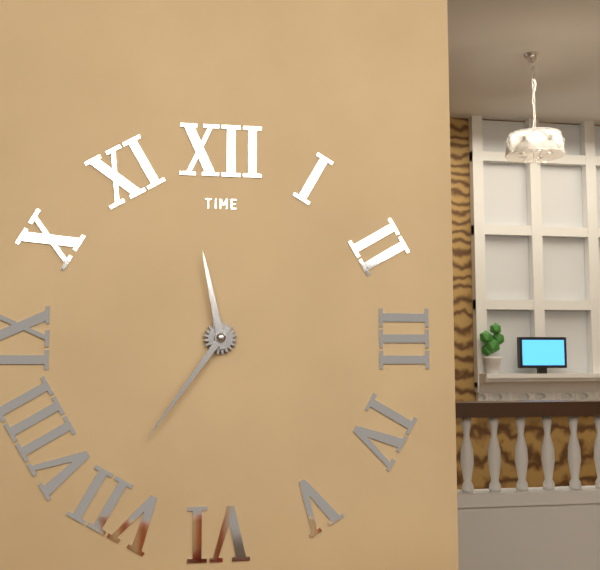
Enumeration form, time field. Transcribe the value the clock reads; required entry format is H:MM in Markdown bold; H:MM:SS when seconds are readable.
**11:36**
